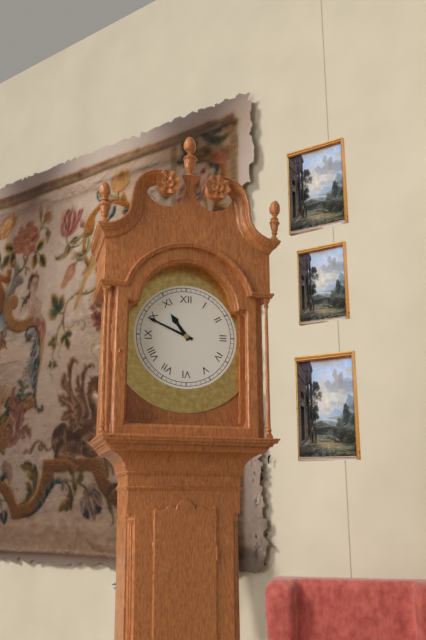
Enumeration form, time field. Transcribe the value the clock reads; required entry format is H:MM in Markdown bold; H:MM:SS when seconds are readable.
**10:49**
